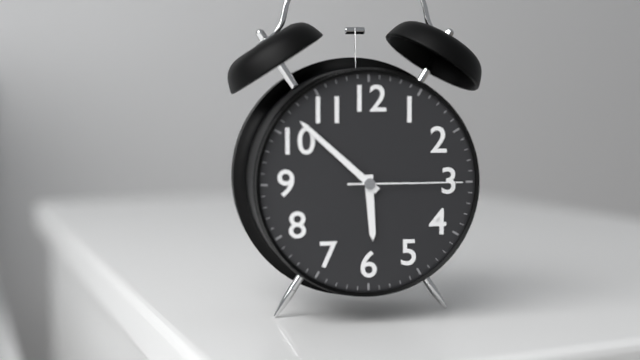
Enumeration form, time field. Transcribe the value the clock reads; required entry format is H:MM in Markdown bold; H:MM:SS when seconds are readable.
**5:52:15**
